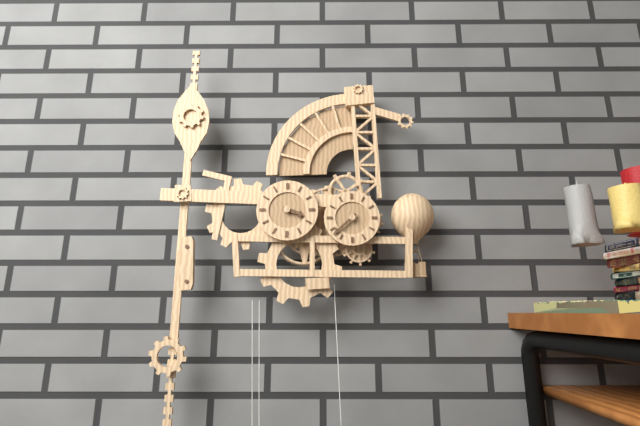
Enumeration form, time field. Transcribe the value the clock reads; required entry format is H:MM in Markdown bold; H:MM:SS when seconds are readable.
**3:38**
